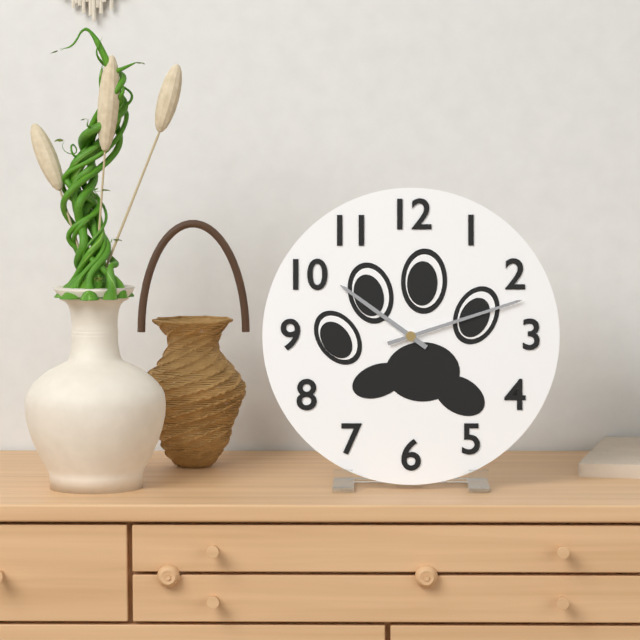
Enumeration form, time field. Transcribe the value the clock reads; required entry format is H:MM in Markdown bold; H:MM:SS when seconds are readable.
**10:12**
